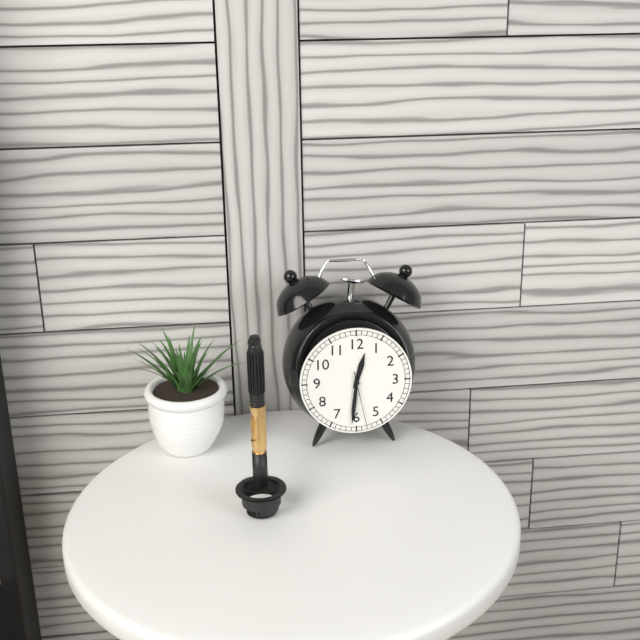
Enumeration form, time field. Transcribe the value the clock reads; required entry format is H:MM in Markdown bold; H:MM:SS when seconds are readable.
**12:31:28**
